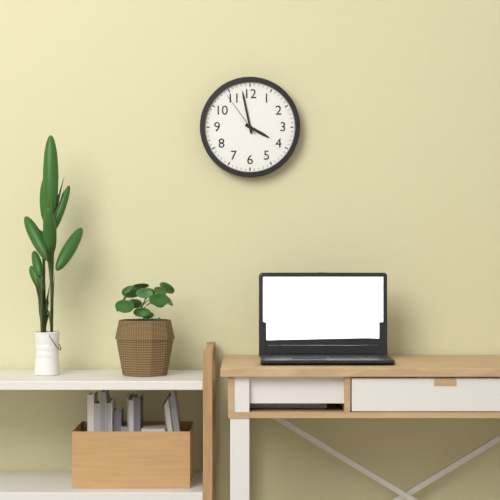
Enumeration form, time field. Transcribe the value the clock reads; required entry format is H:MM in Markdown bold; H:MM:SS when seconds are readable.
**3:58**
